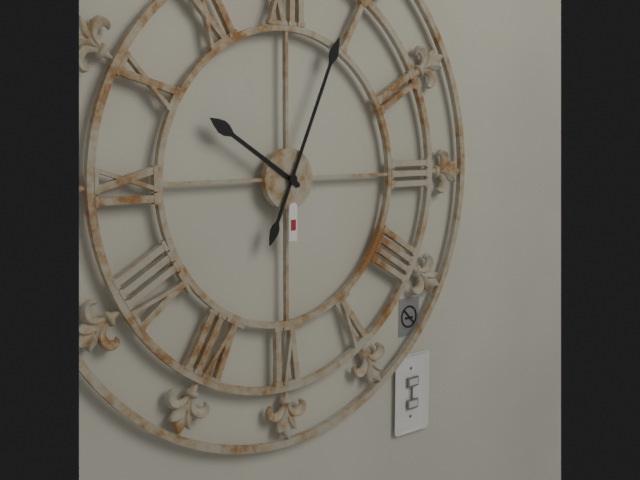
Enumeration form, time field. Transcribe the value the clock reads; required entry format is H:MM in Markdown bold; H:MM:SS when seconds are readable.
**10:04**
